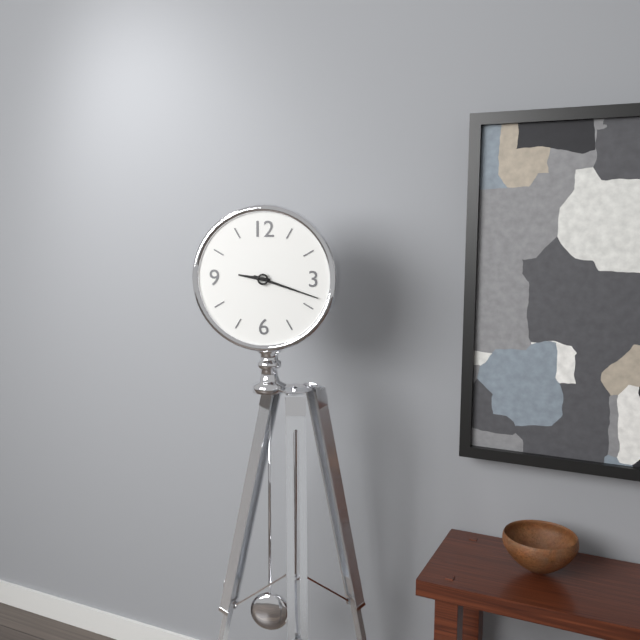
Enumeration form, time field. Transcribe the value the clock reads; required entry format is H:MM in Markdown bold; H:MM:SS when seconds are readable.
**9:18**
